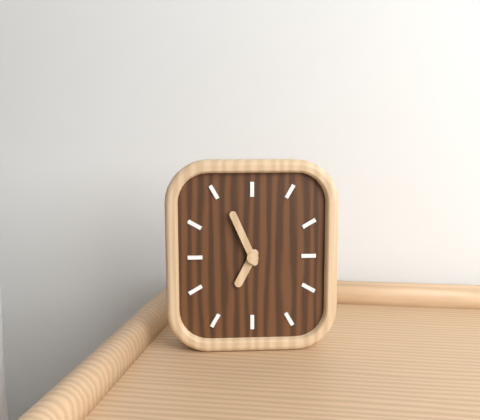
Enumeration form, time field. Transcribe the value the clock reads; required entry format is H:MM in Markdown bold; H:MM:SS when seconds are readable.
**6:56**
